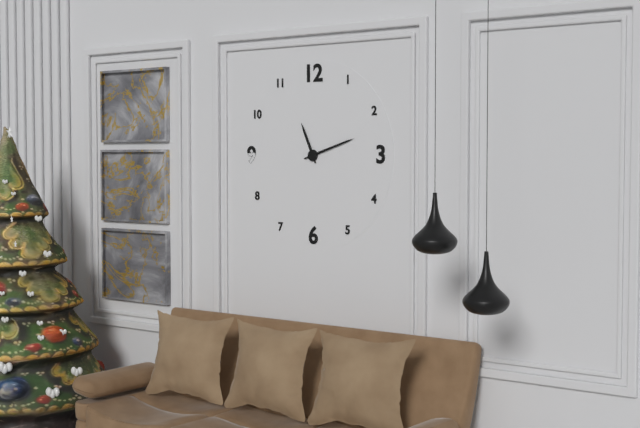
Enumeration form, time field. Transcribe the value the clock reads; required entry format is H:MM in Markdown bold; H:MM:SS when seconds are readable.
**11:12**
